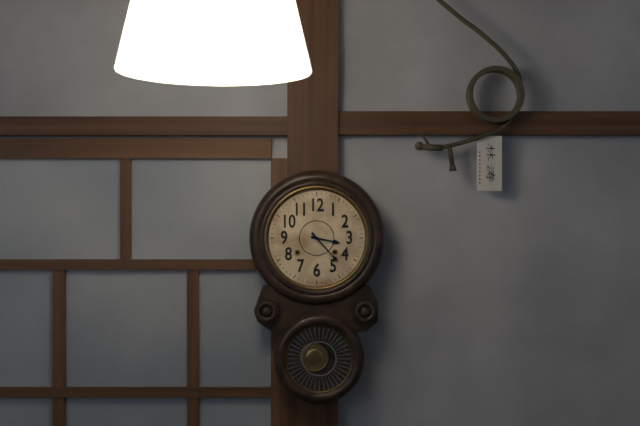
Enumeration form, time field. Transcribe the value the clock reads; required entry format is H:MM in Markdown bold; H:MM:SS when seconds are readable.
**3:23**
